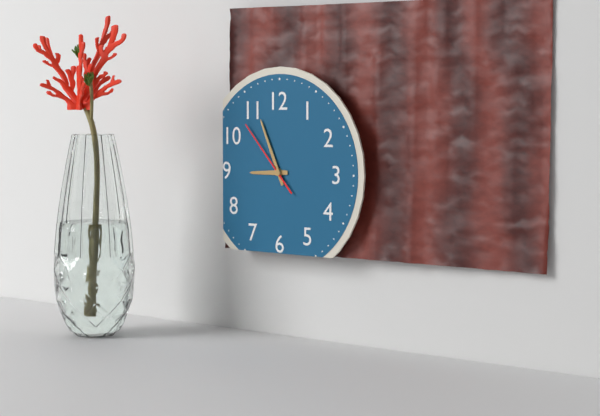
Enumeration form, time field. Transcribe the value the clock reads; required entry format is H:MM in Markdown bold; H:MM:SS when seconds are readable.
**8:56:53**
